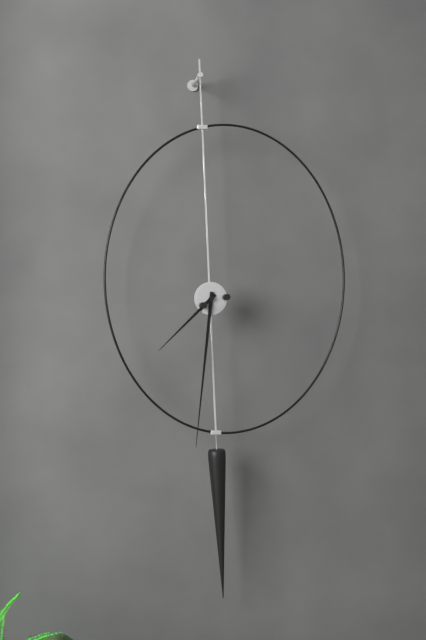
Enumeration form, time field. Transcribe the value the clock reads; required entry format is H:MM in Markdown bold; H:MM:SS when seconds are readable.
**7:31**
